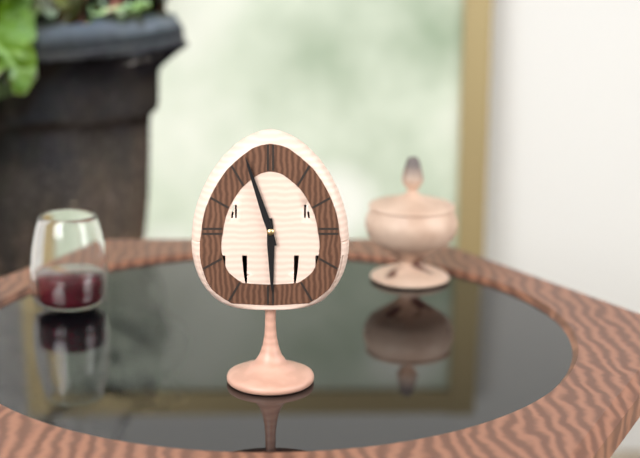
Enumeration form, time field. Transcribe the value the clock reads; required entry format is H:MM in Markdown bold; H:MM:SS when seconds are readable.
**5:57**
